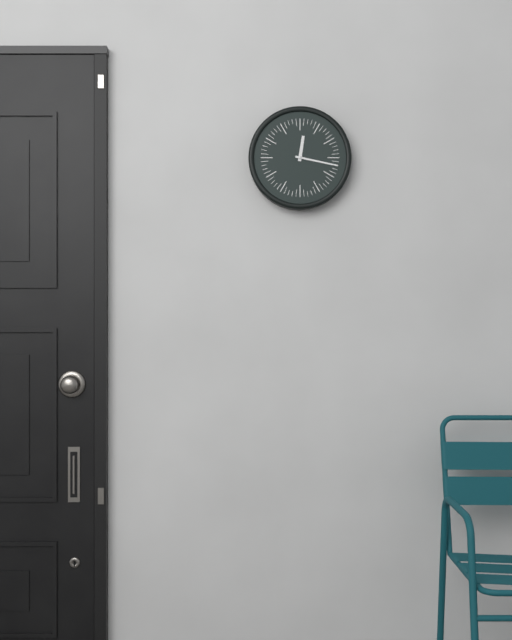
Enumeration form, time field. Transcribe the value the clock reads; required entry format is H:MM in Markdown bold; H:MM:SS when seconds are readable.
**12:17**
